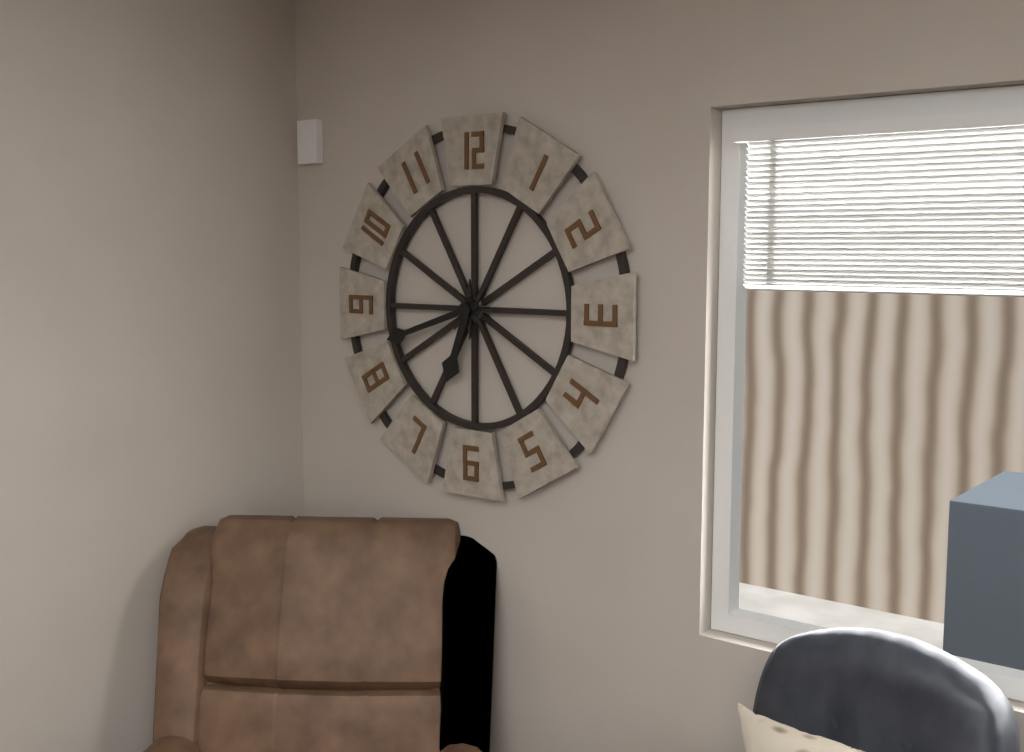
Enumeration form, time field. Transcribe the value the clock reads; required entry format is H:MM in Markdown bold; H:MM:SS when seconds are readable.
**6:42**
